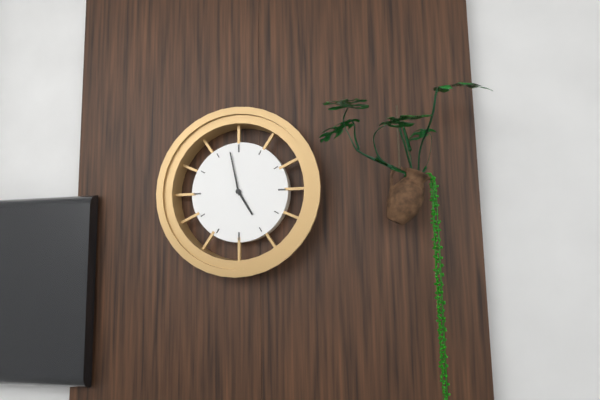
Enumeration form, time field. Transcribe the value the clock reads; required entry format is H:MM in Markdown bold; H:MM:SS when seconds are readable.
**4:58**
